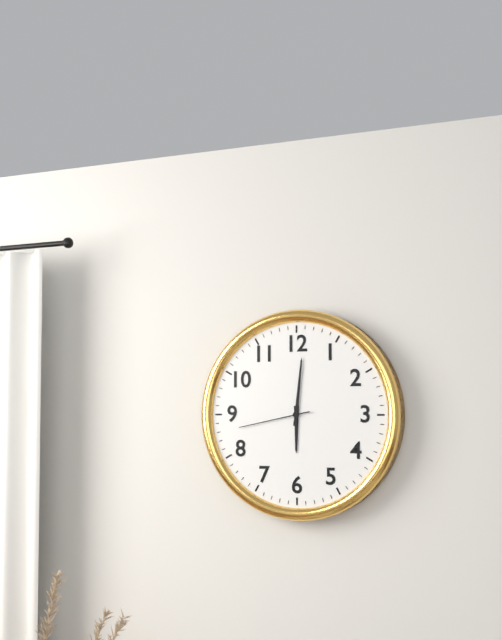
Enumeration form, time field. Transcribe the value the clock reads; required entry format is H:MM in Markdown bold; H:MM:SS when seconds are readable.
**6:01:43**
